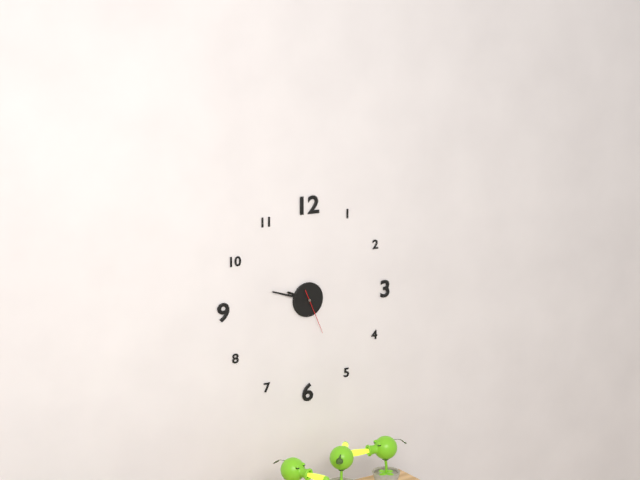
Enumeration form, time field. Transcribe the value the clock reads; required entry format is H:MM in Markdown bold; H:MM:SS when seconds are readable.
**9:48**
